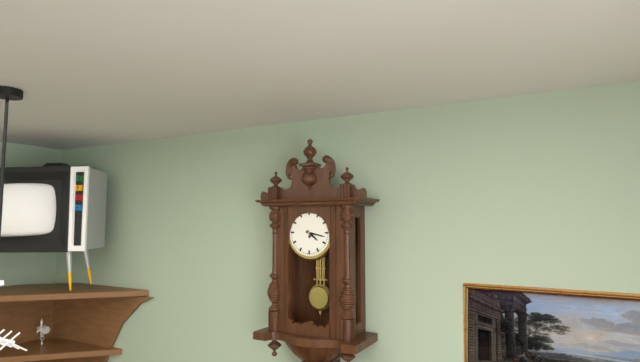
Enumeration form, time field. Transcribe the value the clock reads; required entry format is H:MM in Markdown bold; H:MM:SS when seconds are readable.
**4:17**
